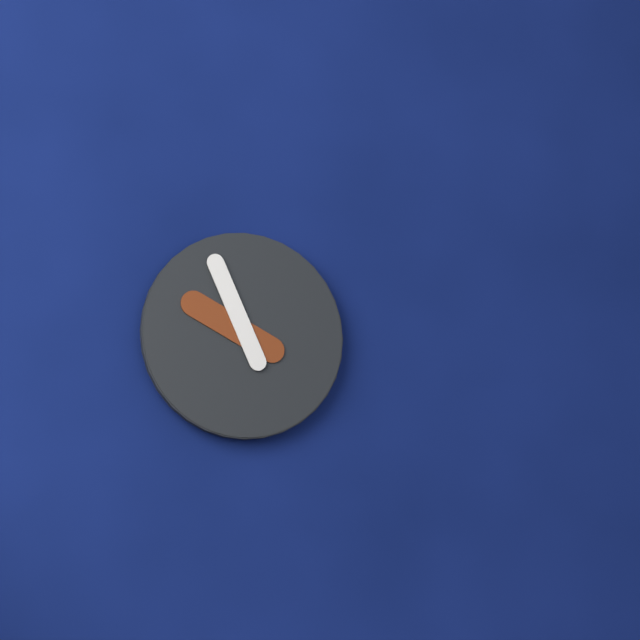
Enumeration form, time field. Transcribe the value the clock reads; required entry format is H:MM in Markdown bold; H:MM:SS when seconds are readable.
**9:56**
